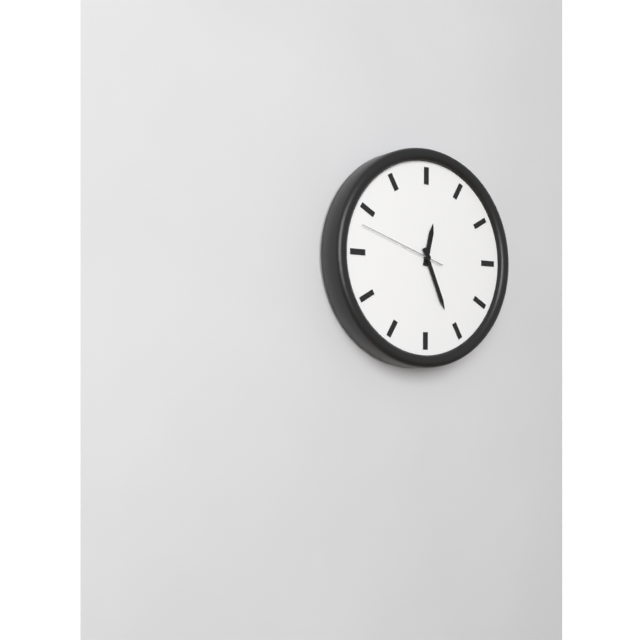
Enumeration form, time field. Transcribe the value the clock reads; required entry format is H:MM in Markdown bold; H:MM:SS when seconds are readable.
**12:26:48**
